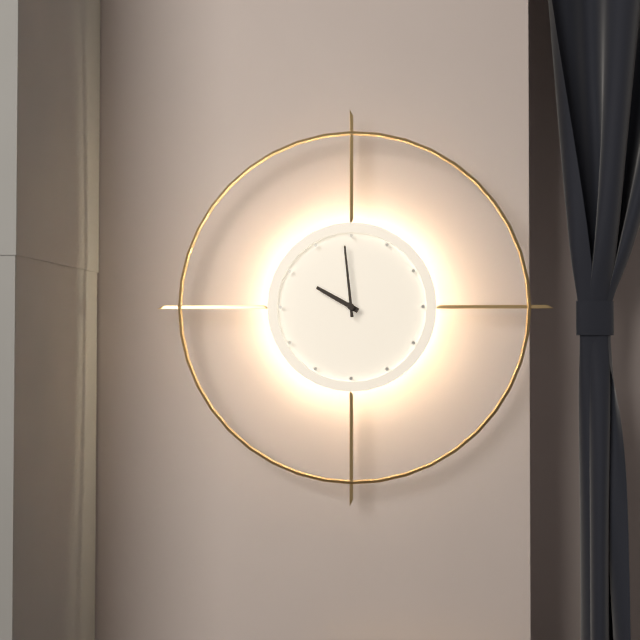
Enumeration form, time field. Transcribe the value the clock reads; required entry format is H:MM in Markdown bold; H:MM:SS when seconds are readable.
**9:59**
